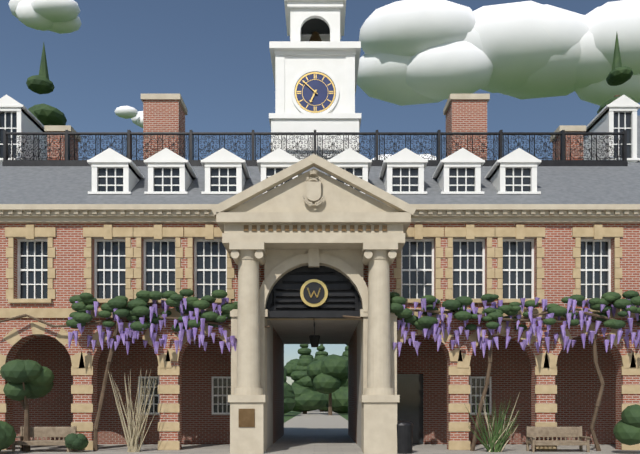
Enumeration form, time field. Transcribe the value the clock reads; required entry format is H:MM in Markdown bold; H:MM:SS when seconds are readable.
**6:52**
